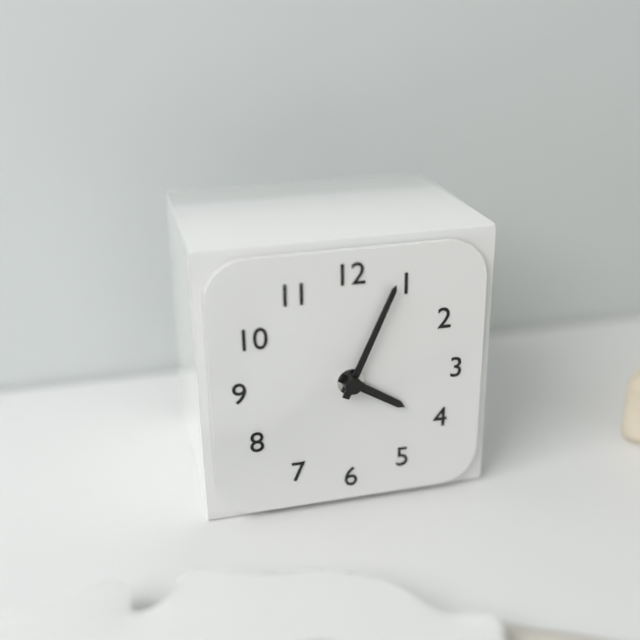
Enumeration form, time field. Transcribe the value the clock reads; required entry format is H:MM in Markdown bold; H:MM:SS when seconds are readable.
**4:04**
